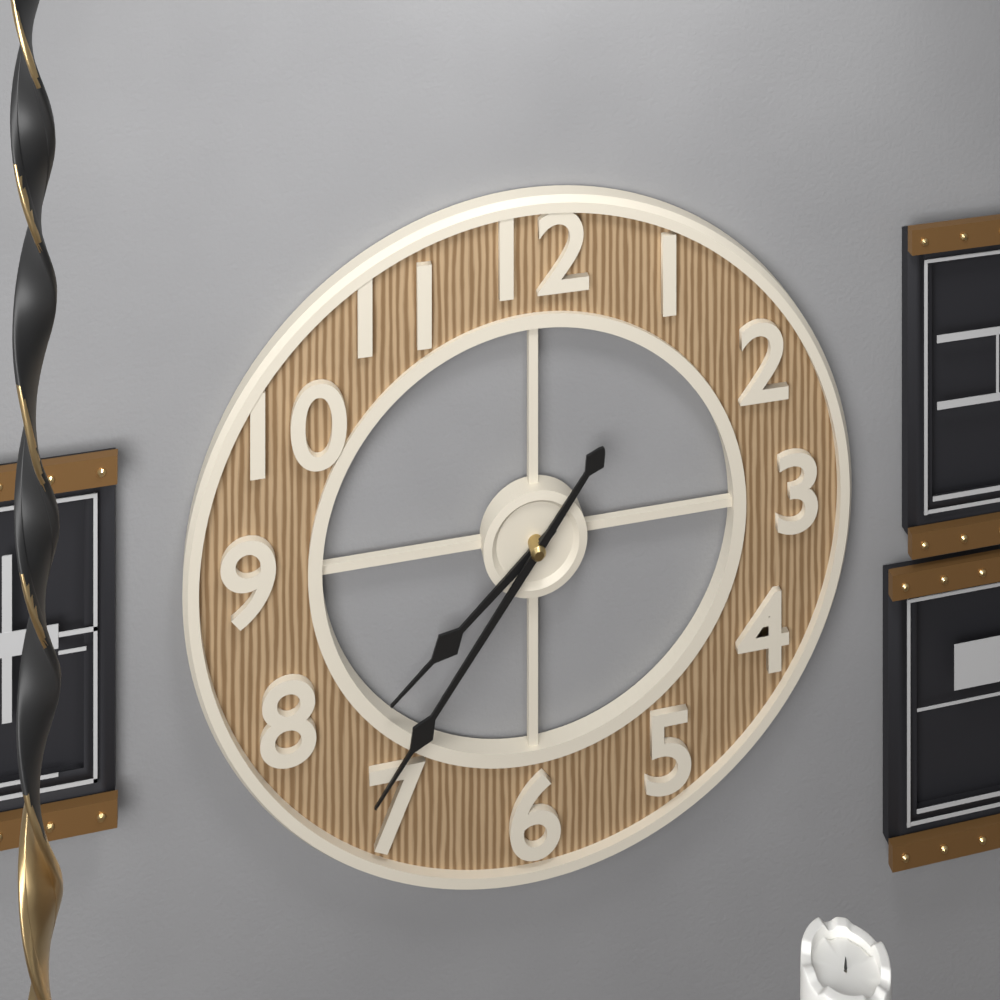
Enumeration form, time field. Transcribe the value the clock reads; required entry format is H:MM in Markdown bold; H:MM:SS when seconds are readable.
**7:36**
